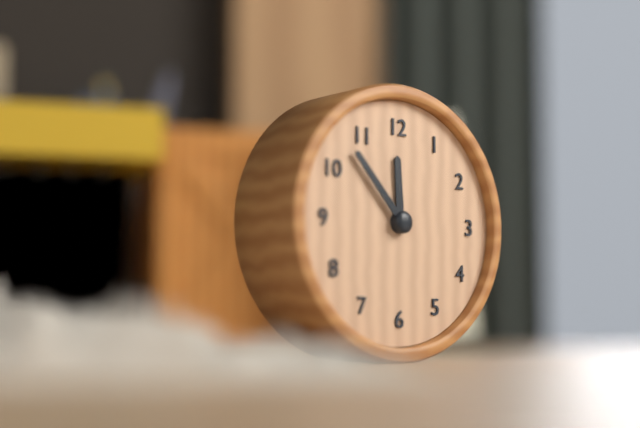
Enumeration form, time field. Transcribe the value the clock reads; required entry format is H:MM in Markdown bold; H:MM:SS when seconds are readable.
**11:53**
